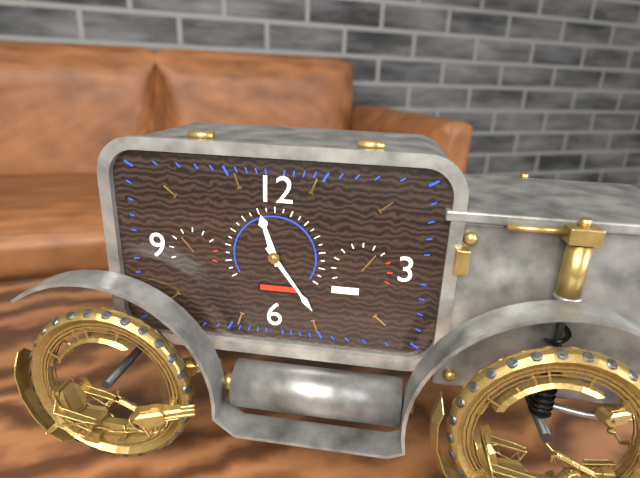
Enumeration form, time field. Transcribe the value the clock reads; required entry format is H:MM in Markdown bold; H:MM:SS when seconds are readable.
**11:24**
